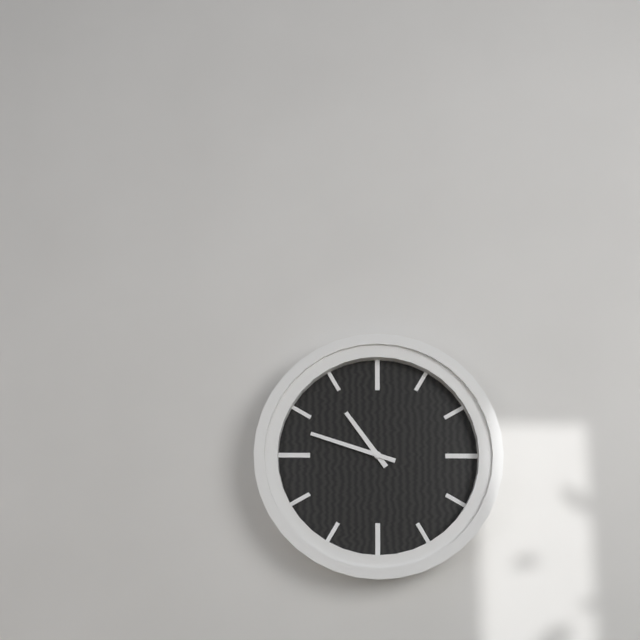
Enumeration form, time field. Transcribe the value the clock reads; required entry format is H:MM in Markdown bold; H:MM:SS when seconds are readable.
**10:48**
